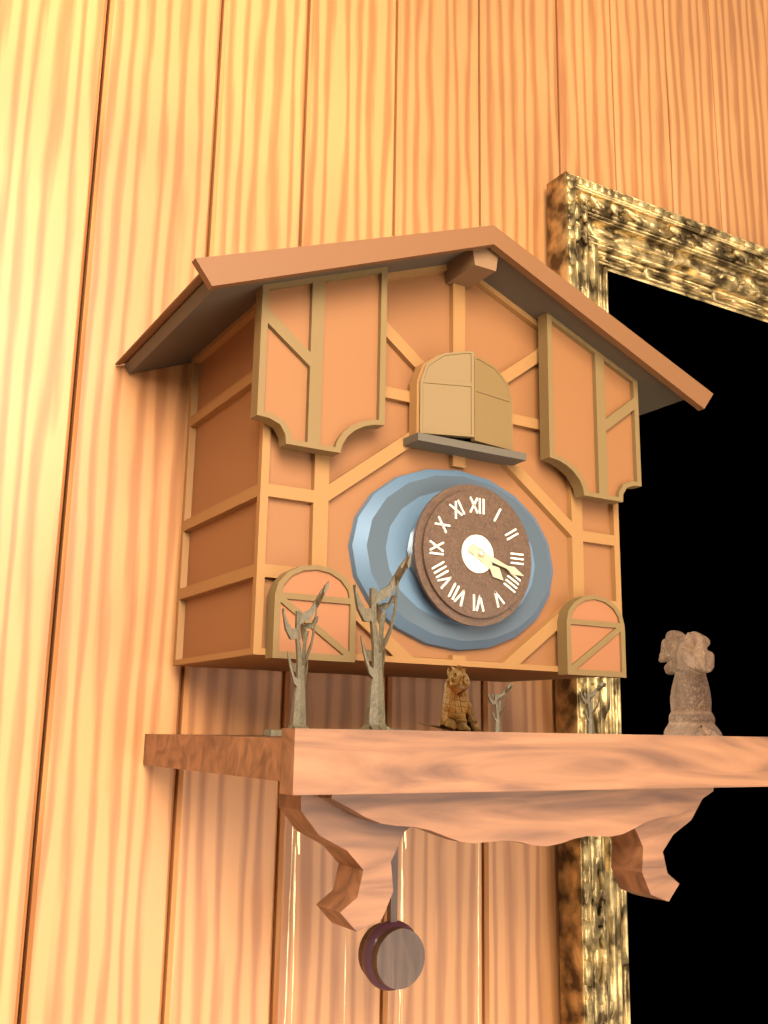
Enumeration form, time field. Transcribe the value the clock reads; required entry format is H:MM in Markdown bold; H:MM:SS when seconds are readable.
**4:18**
